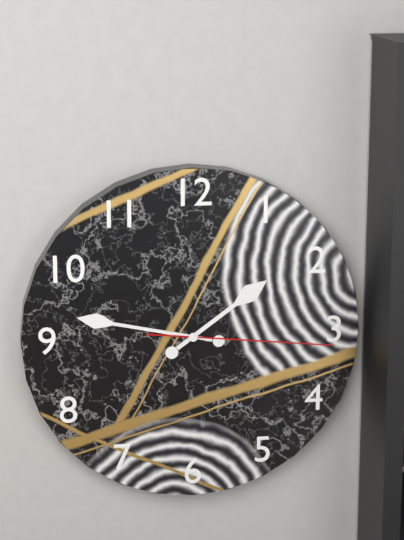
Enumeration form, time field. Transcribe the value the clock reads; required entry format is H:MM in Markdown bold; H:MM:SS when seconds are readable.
**1:47:16**
